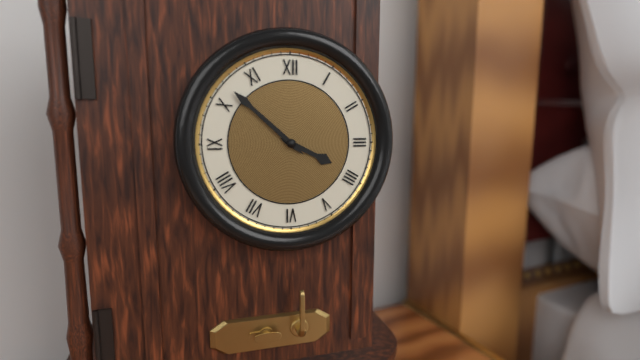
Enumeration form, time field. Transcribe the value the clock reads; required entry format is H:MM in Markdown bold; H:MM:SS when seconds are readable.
**3:52**
